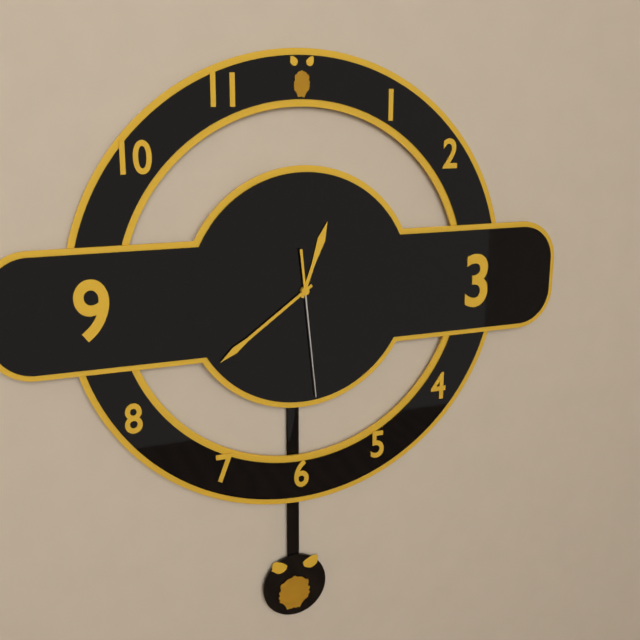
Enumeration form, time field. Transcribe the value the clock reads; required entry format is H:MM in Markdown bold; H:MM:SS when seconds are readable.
**12:39:29**
